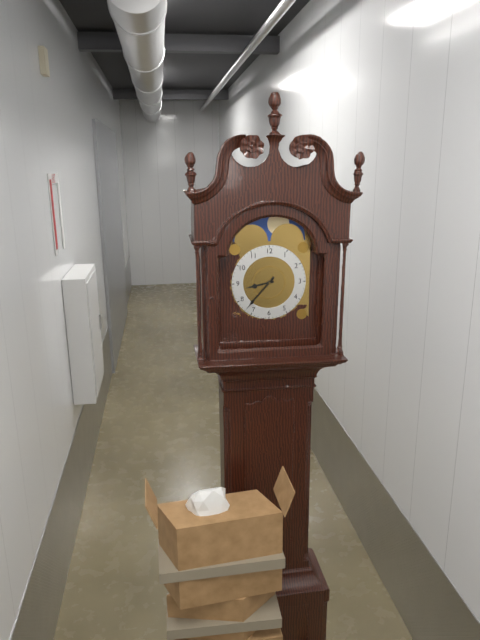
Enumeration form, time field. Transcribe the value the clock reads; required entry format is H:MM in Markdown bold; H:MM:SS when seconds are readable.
**8:37**
